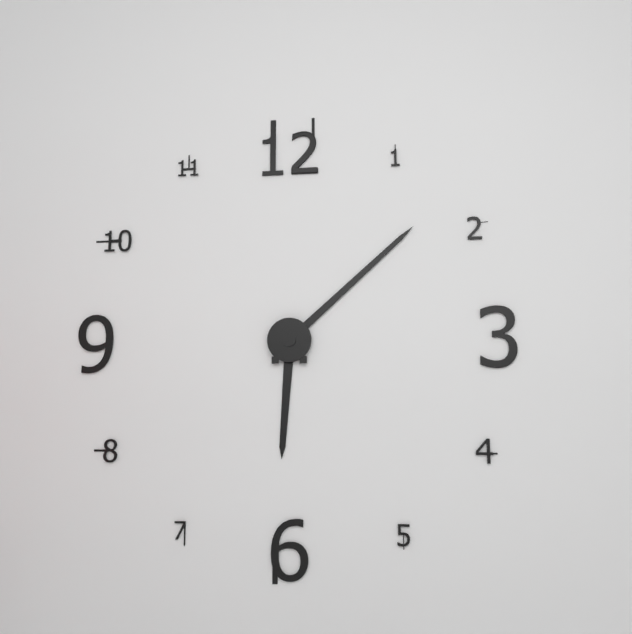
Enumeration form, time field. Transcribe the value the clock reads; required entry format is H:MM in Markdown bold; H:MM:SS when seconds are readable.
**6:08**
